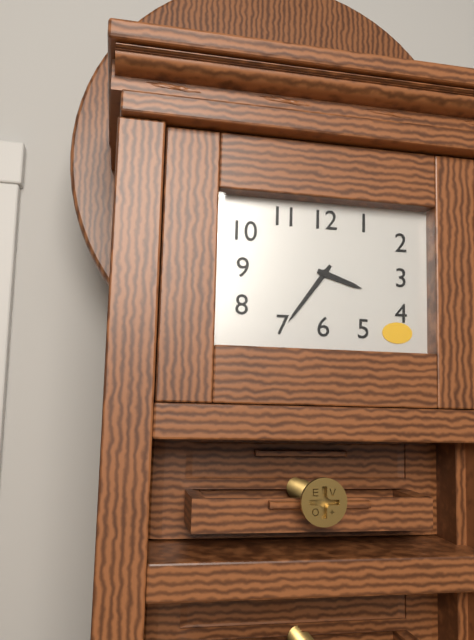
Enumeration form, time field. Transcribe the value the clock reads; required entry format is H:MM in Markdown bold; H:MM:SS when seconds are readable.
**3:36**
